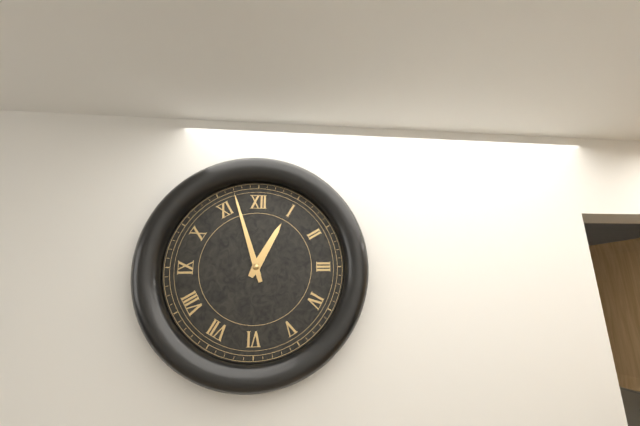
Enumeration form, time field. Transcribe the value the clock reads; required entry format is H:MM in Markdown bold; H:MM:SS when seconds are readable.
**12:57**
